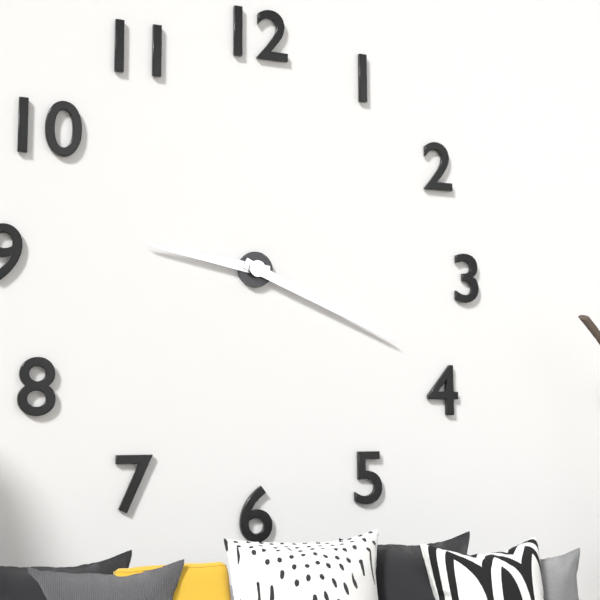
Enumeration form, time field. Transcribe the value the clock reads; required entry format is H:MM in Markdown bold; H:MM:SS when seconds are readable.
**9:19**
